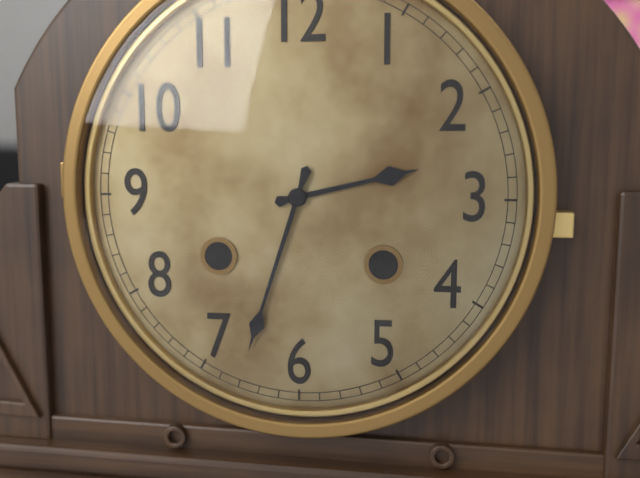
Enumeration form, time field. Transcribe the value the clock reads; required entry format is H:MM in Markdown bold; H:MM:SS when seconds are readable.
**2:33**
